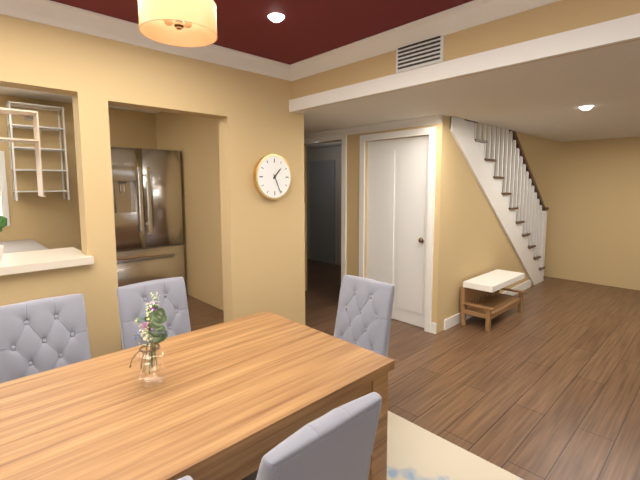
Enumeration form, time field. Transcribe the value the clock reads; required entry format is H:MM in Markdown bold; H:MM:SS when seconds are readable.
**1:26**
